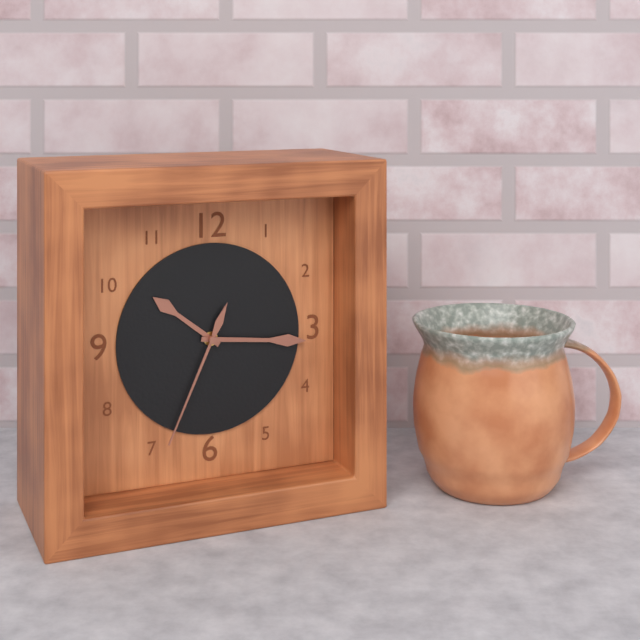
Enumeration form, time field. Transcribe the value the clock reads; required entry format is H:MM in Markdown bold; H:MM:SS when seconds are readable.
**10:16:34**
